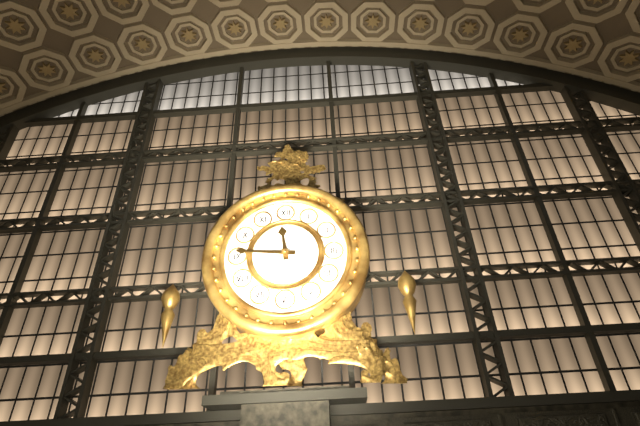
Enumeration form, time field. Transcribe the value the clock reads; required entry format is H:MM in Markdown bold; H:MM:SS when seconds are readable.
**11:46**
